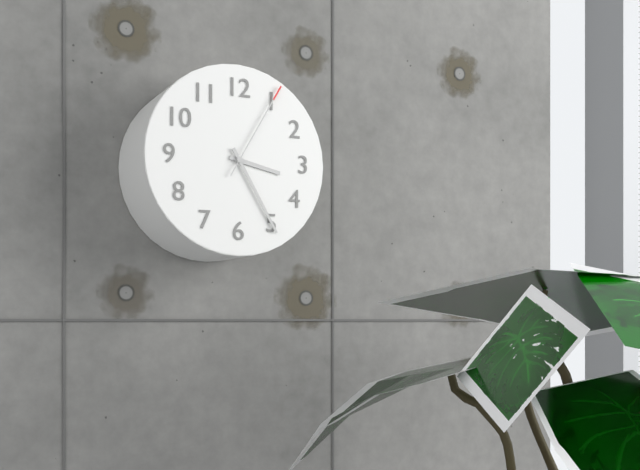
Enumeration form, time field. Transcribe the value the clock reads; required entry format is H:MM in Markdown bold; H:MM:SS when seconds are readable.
**3:25:05**
